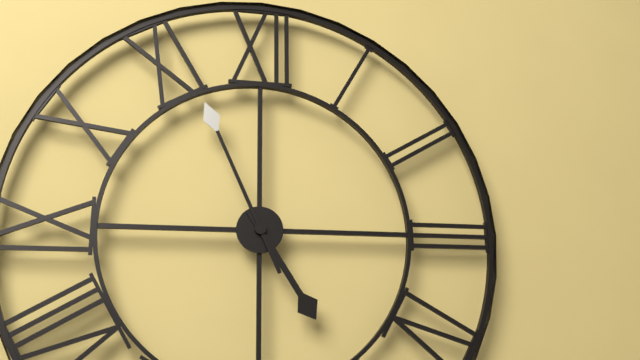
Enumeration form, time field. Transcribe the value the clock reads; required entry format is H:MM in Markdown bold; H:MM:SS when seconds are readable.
**4:56**
